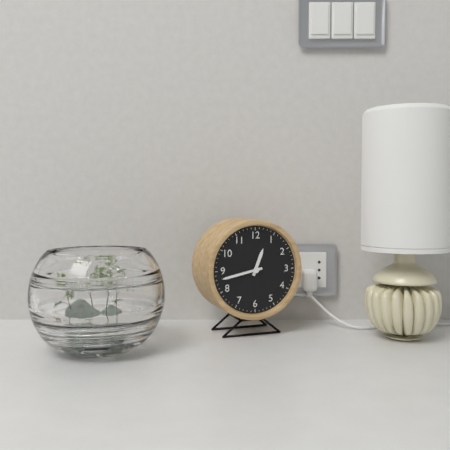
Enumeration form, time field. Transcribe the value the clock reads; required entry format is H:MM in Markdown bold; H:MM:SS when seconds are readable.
**12:43**
